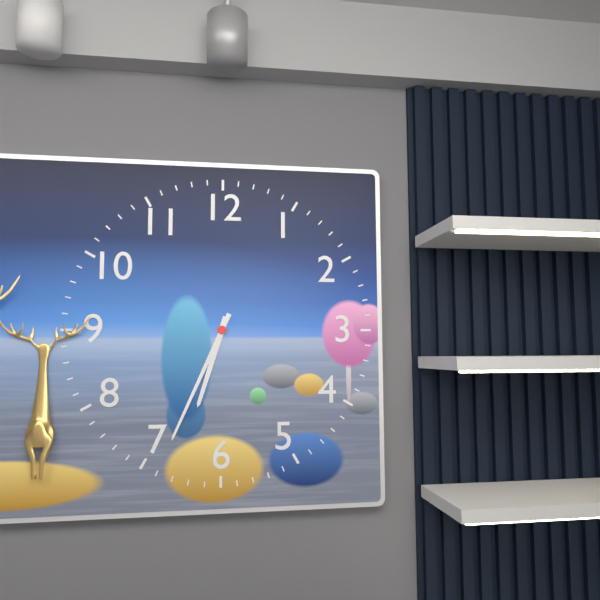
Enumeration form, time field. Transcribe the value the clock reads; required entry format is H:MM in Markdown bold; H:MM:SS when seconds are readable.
**6:34**
